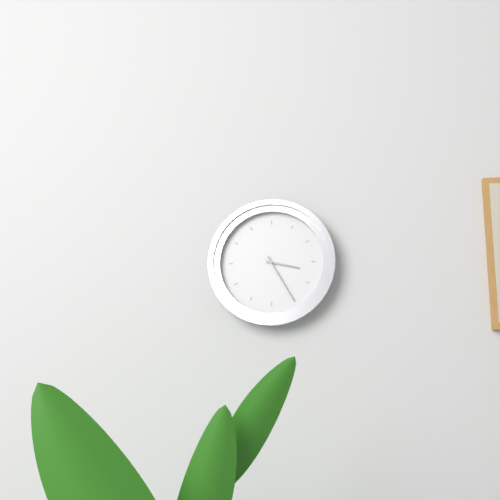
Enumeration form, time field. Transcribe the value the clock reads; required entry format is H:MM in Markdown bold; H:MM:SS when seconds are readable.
**3:25**
